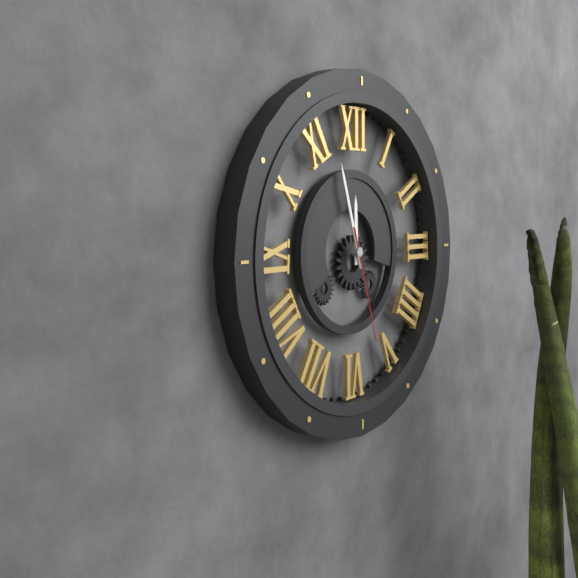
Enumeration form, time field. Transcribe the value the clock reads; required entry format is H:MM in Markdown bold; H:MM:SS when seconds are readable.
**11:57:27**
